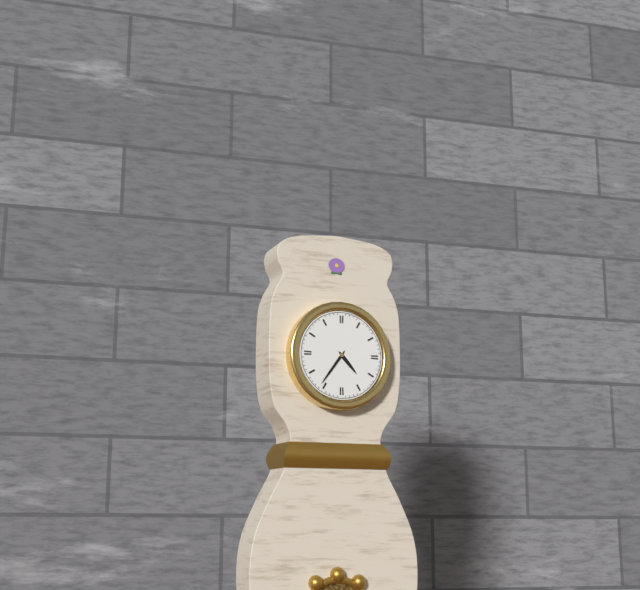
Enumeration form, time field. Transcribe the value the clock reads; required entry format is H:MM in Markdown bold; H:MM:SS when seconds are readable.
**4:36**
